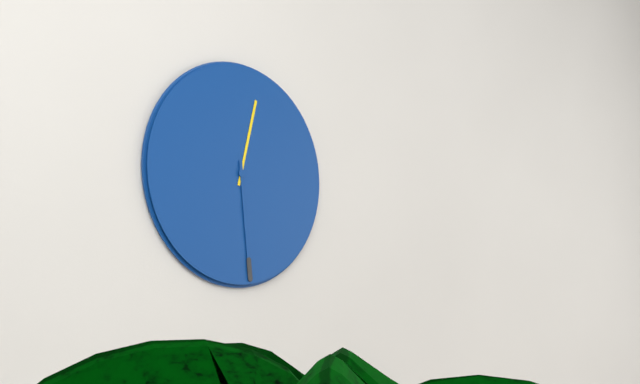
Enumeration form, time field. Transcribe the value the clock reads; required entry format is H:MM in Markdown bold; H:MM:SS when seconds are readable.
**12:29**
